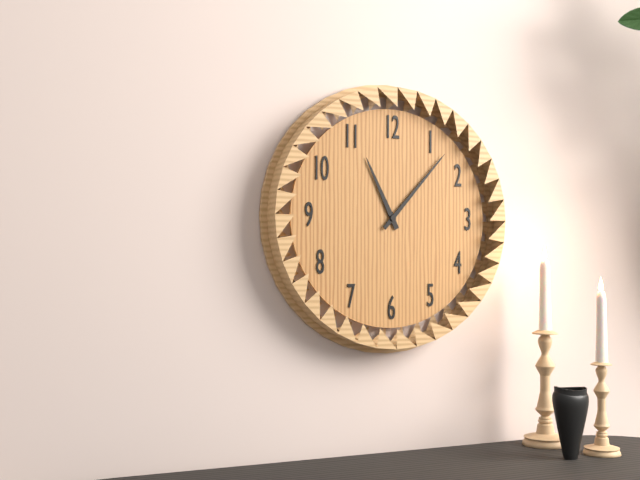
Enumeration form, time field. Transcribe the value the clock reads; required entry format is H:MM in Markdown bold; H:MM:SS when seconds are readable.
**11:07**
